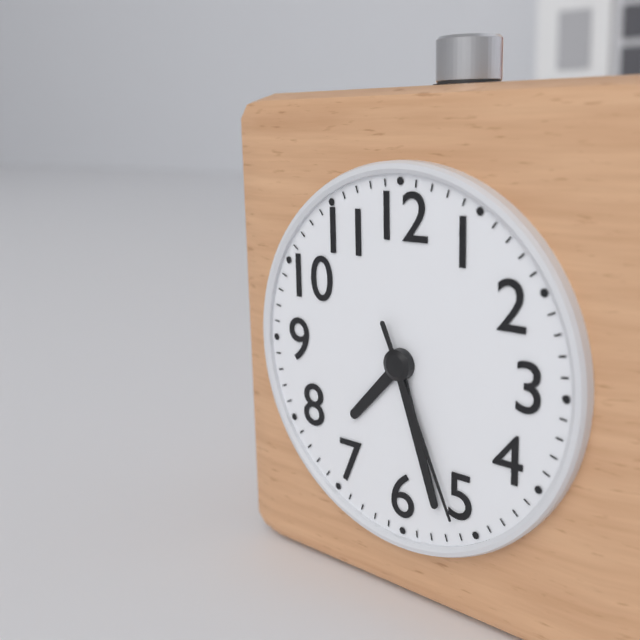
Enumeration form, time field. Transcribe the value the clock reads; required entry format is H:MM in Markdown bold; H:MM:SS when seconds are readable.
**7:27:26**
